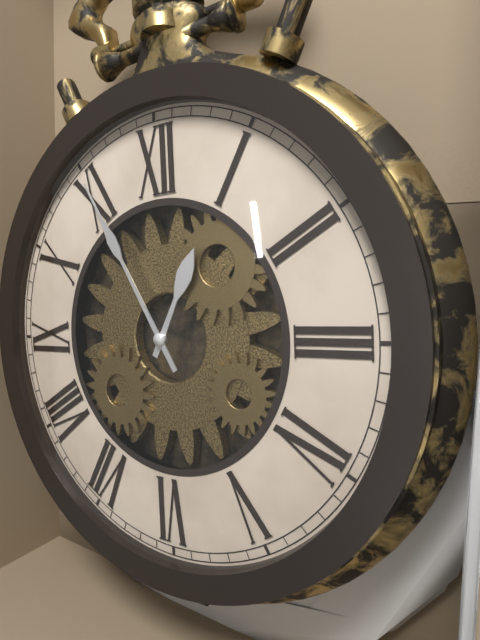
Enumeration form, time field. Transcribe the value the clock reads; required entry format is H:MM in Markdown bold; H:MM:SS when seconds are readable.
**12:55**
